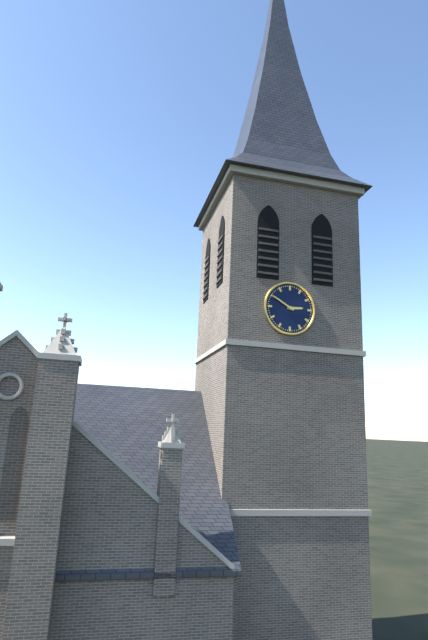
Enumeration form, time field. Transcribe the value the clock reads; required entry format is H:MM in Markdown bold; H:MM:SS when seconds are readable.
**2:50**
